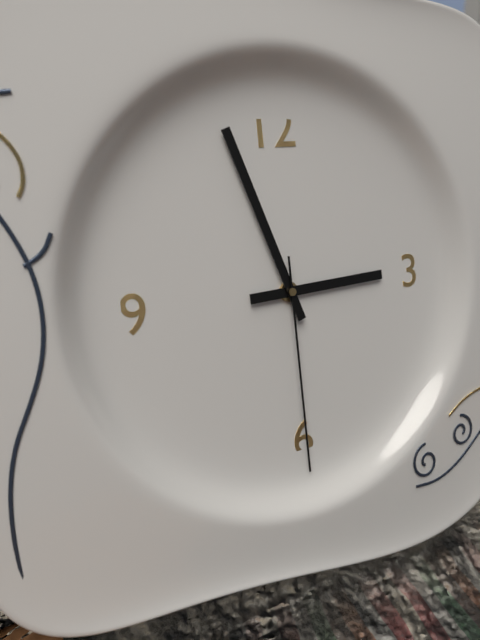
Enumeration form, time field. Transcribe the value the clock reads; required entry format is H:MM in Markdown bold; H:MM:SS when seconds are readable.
**2:57:30**
